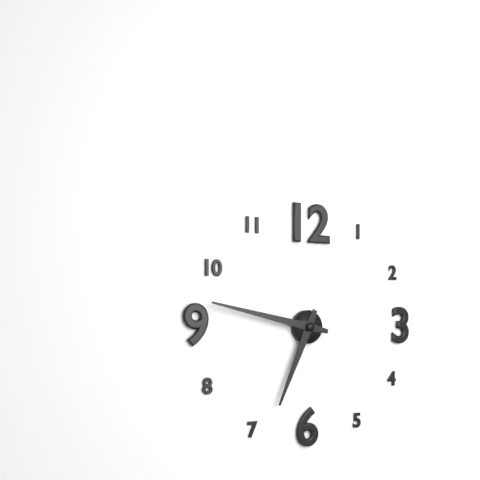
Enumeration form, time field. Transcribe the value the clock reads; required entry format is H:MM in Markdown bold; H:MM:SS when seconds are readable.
**6:47**
